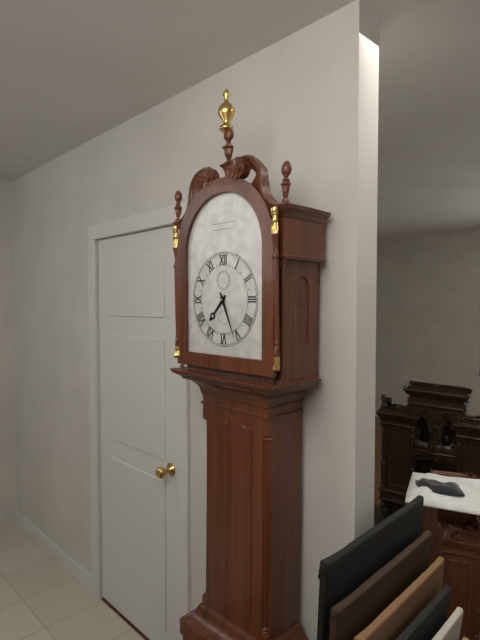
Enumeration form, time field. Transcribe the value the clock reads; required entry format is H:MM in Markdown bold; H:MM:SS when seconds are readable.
**7:26**
